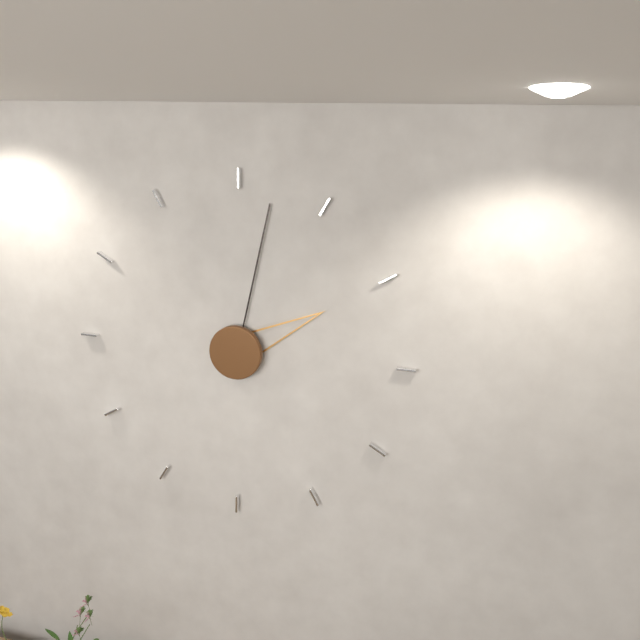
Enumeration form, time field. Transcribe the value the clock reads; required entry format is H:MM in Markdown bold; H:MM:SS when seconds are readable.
**2:02**
